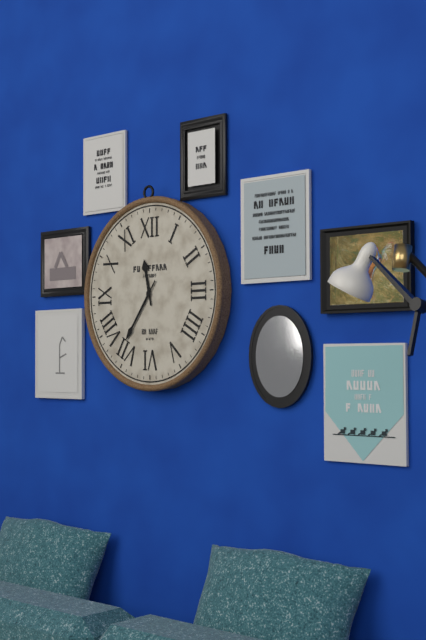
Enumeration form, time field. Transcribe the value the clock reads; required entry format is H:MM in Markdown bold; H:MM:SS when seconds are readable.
**11:36**
